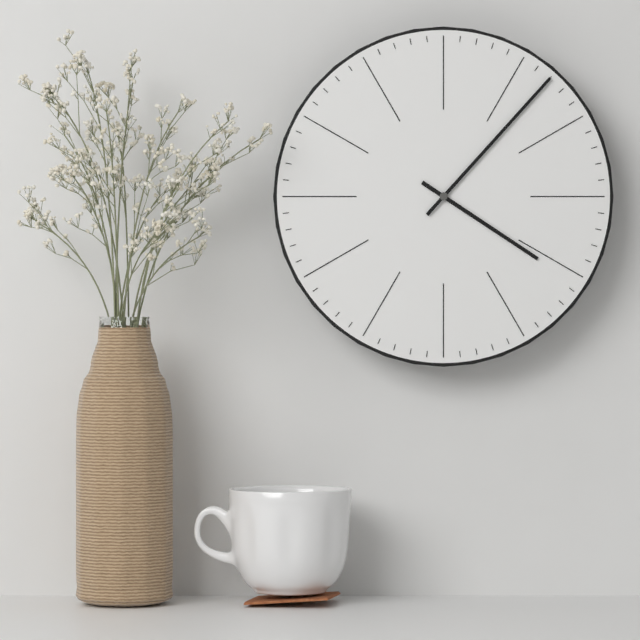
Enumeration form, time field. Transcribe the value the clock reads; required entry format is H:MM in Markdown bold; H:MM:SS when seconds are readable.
**4:07**
